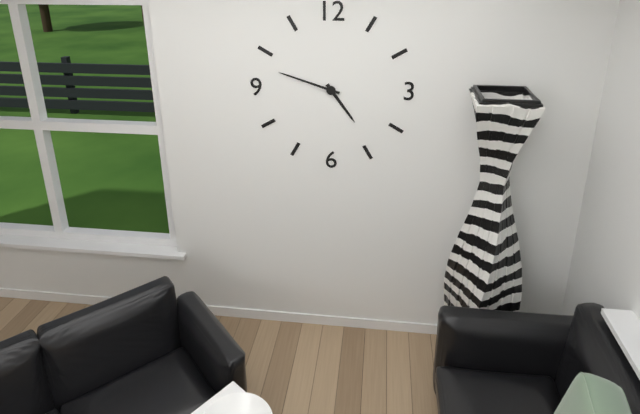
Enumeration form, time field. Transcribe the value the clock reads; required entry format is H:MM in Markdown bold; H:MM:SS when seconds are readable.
**4:48**
